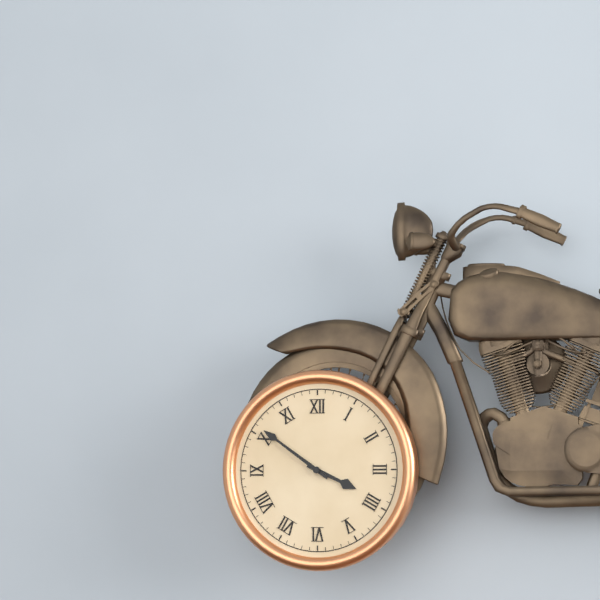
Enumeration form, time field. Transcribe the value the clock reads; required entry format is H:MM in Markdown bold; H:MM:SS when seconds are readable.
**3:51**
